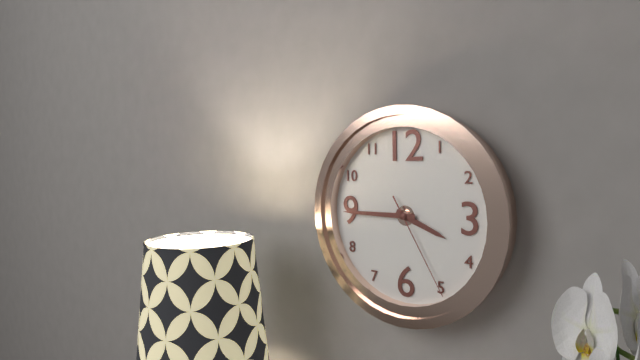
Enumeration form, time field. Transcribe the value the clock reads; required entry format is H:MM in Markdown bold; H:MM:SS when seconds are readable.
**3:45:25**
